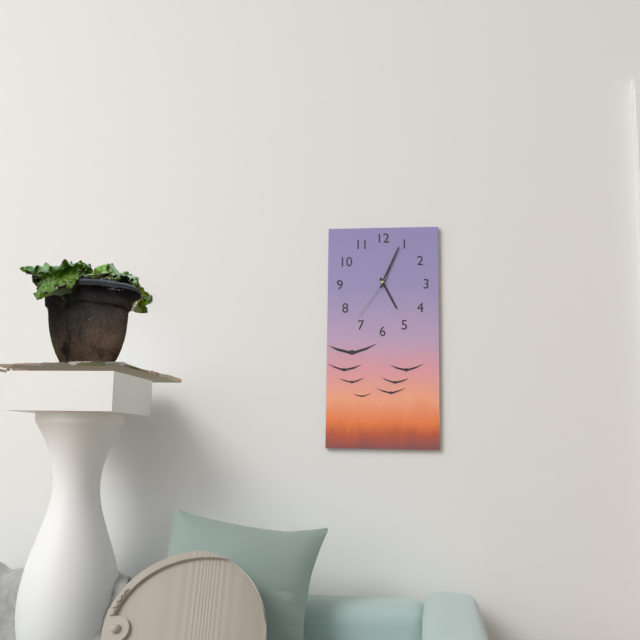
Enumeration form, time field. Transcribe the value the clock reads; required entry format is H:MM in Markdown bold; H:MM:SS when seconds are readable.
**5:04:36**
